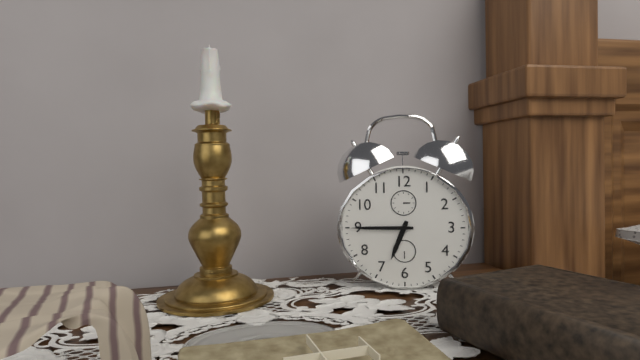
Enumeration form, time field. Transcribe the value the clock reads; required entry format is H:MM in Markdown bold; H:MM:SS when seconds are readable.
**6:45**
